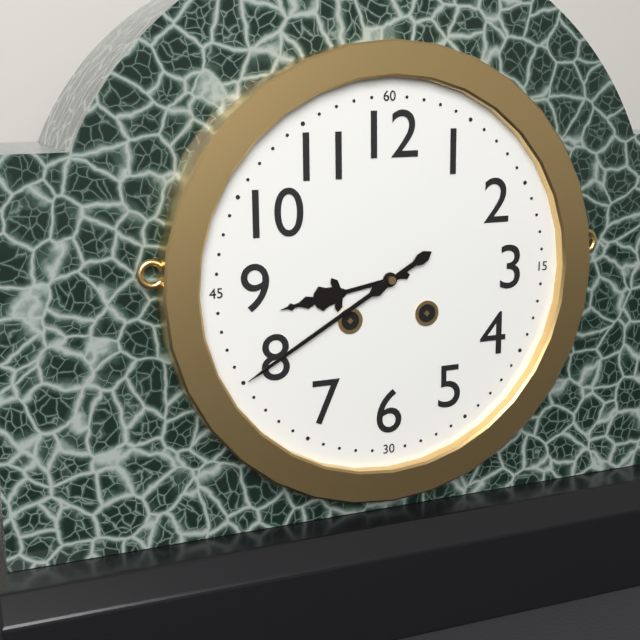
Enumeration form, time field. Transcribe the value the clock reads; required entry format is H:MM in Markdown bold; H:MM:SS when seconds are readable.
**8:40**
